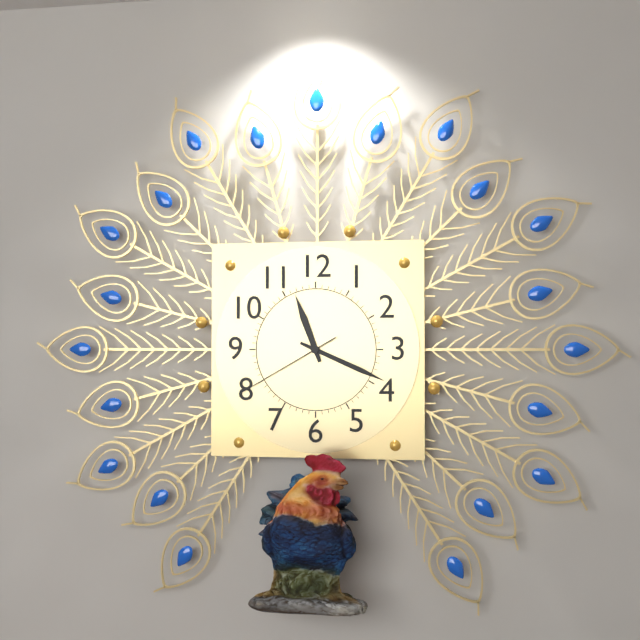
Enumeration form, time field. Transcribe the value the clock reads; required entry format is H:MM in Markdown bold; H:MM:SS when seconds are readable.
**11:19:40**
